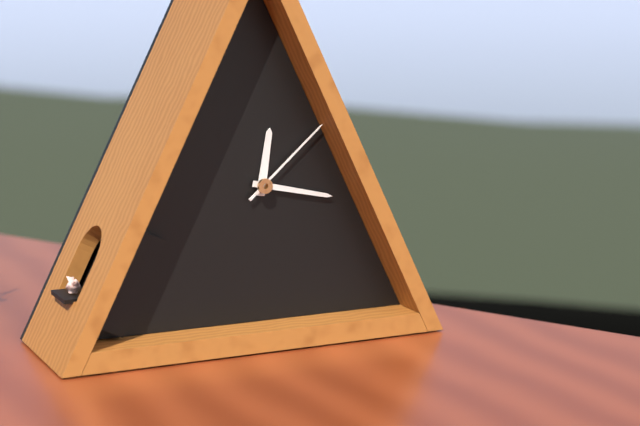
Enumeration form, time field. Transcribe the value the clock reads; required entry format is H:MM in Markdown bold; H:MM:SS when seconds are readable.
**12:17:08**
